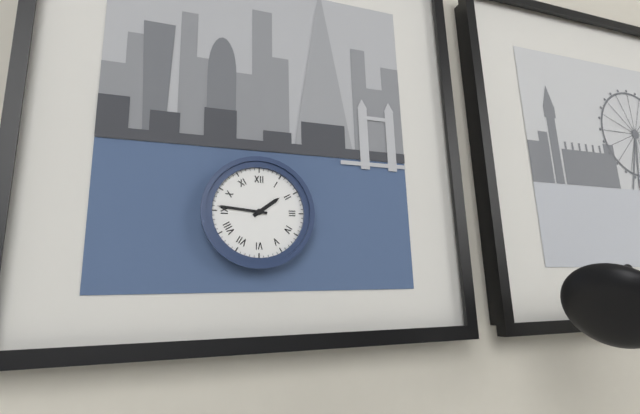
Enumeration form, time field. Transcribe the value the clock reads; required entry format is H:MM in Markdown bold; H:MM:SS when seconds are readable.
**1:46**
